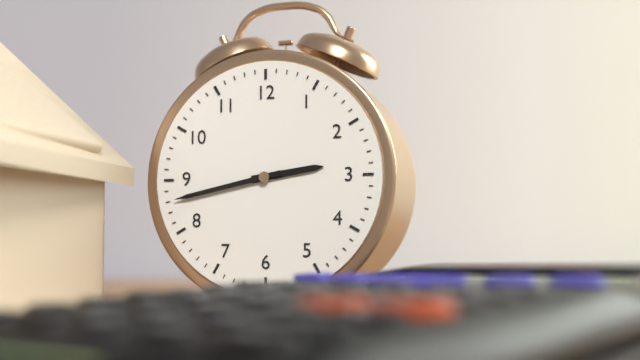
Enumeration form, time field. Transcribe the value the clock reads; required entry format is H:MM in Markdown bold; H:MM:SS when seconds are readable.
**2:43**
